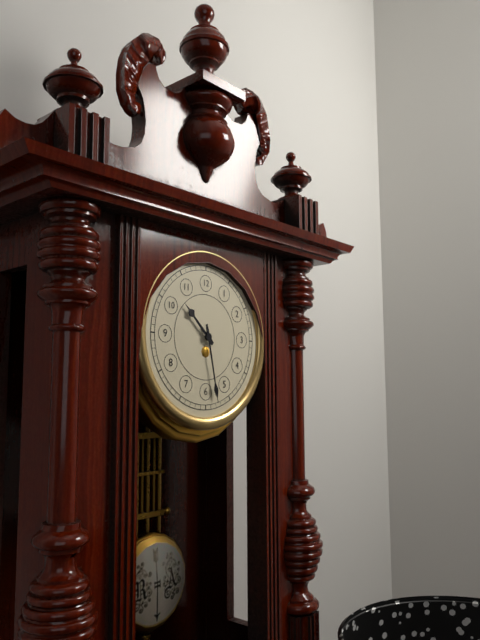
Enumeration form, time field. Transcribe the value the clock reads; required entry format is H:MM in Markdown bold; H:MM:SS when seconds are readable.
**10:28**
